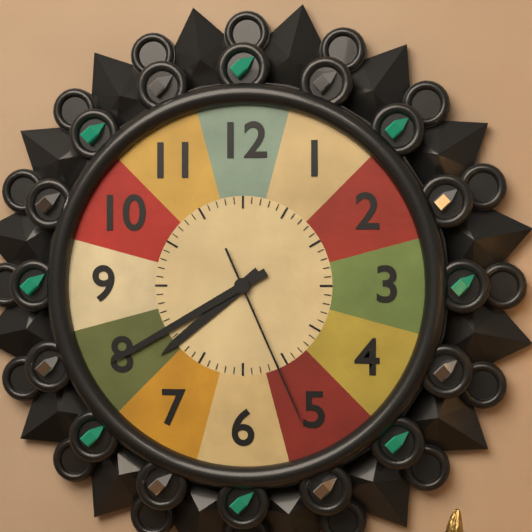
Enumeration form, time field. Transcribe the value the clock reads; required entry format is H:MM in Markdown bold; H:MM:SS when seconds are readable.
**7:40:26**
